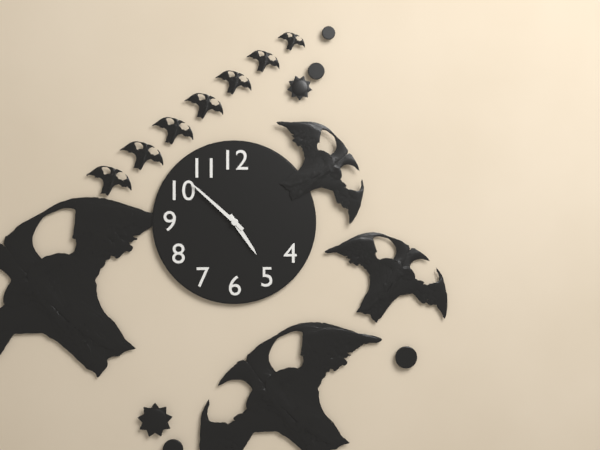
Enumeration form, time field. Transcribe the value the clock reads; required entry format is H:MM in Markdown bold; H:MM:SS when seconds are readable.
**4:52**
